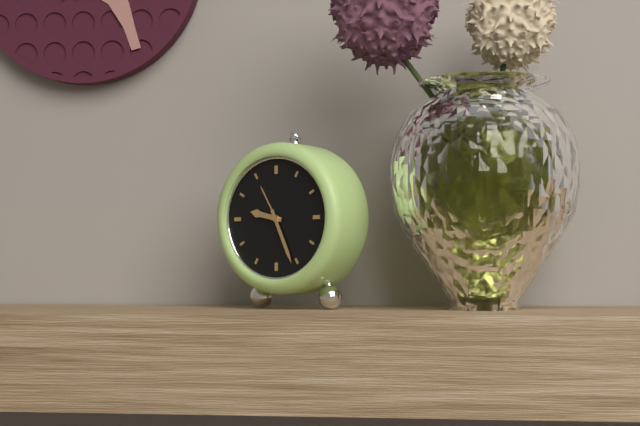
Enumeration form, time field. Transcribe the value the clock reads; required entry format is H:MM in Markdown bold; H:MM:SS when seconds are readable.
**9:26**
